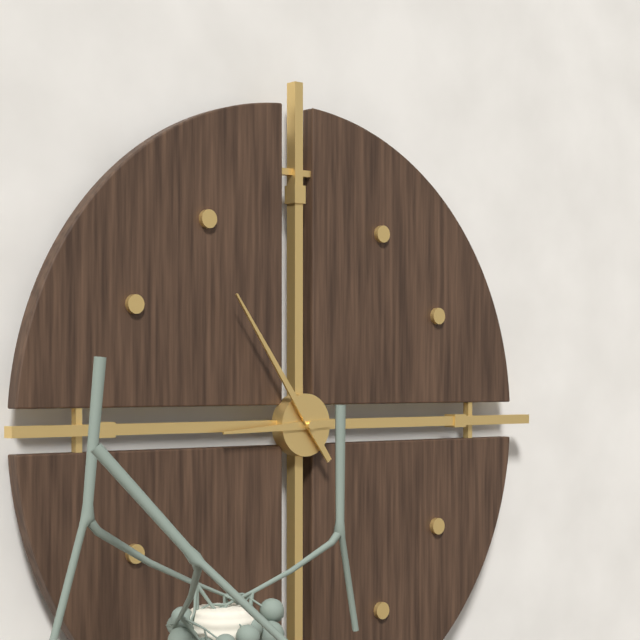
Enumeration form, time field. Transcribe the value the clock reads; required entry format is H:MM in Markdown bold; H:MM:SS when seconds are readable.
**8:54**
